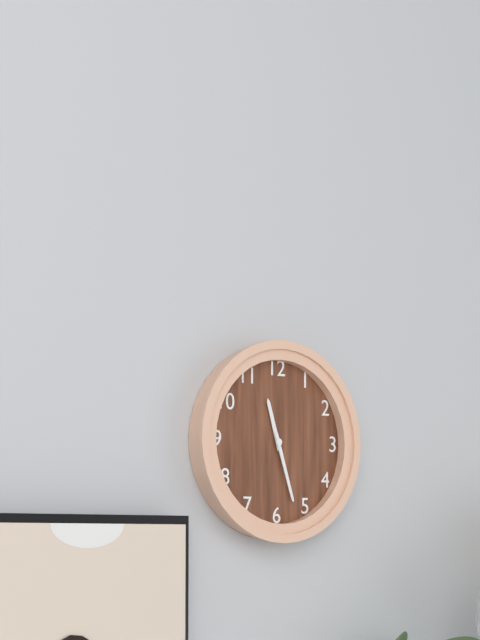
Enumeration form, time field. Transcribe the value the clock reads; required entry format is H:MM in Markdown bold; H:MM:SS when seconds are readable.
**11:27**
